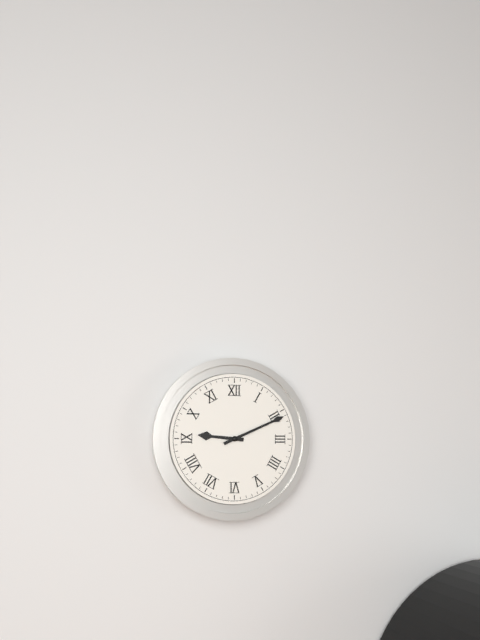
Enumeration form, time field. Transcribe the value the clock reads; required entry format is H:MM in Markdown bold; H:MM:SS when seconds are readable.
**9:11**
